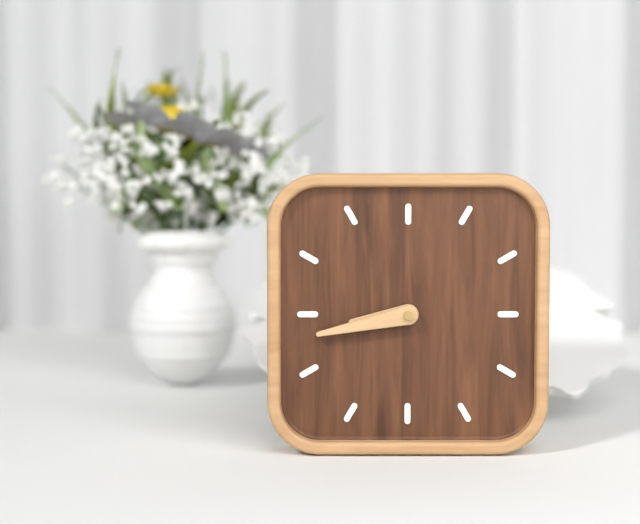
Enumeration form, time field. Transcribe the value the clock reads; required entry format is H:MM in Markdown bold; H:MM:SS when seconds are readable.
**8:43**
